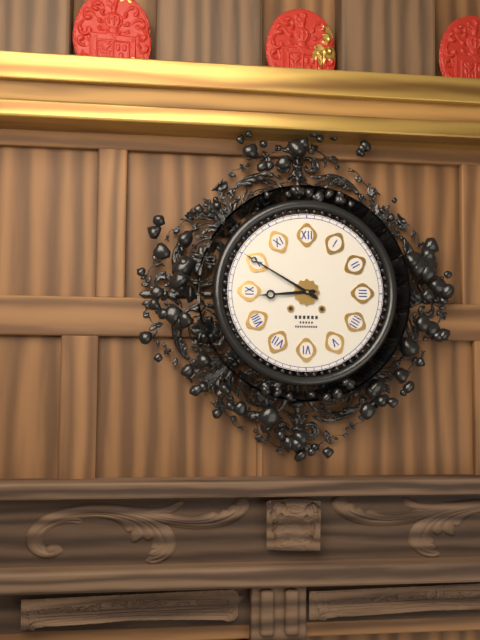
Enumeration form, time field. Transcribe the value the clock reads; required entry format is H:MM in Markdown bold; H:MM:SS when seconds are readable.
**8:50**
